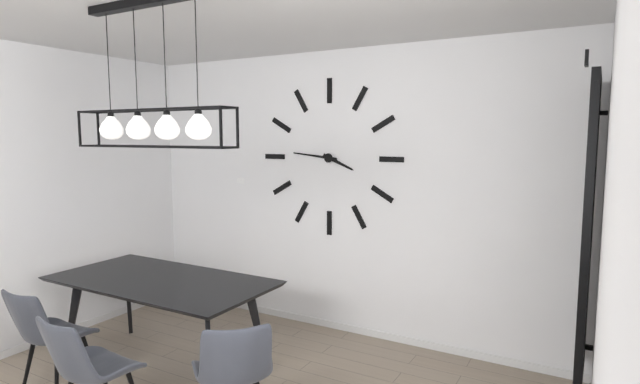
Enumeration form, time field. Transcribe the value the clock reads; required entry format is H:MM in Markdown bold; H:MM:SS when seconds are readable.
**3:46**
